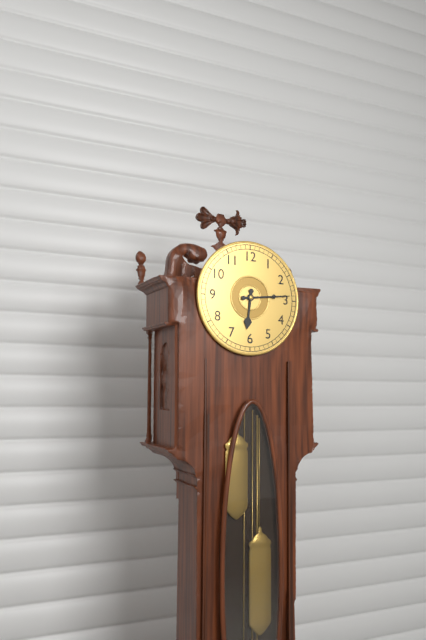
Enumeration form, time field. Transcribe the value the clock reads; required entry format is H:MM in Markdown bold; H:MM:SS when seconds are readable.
**6:14**
